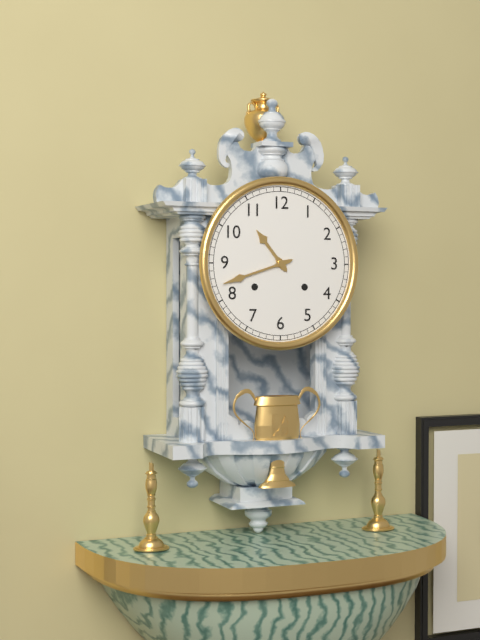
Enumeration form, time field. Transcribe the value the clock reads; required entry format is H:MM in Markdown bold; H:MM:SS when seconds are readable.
**10:42**
